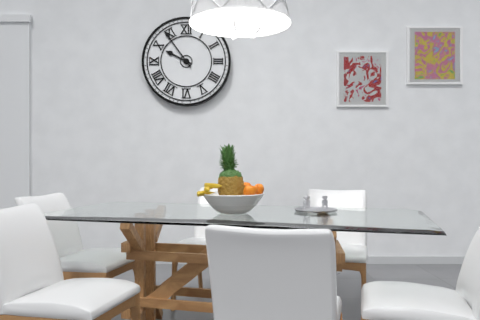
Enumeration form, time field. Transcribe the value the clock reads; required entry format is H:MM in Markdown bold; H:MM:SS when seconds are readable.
**9:54**
